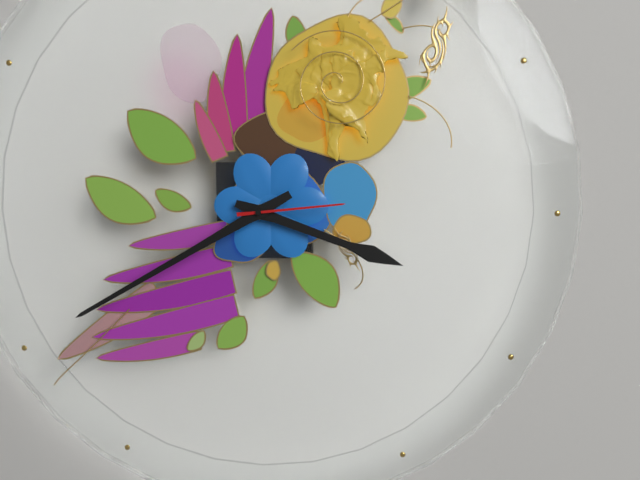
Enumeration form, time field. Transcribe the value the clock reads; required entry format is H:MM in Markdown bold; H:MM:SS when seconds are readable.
**3:40:14**
